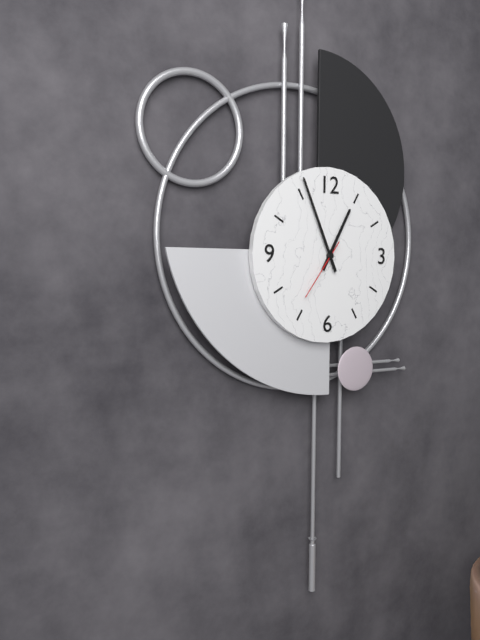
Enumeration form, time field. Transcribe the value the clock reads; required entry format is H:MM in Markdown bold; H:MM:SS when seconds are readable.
**12:56:36**
